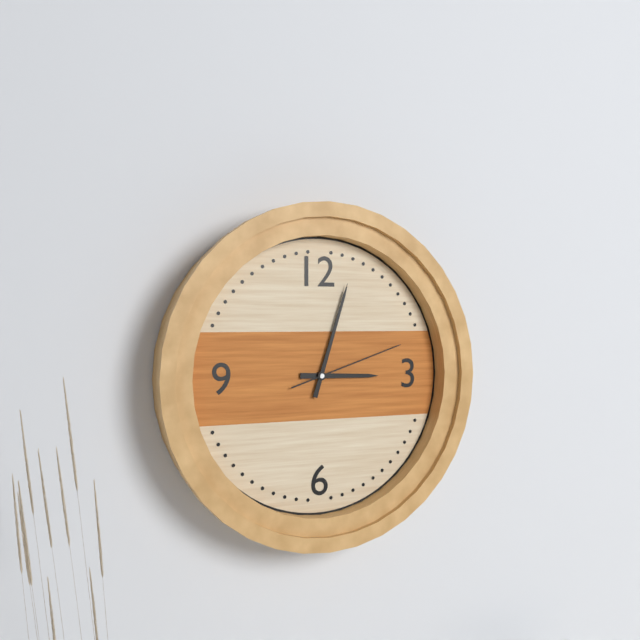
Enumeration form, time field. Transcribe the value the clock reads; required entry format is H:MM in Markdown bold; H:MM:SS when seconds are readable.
**3:03:12**
